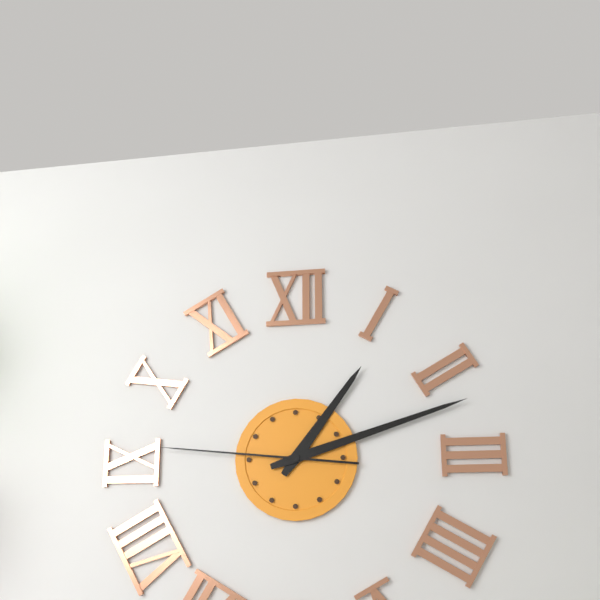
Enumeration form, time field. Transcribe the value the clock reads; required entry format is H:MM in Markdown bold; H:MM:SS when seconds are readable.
**1:12:46**
